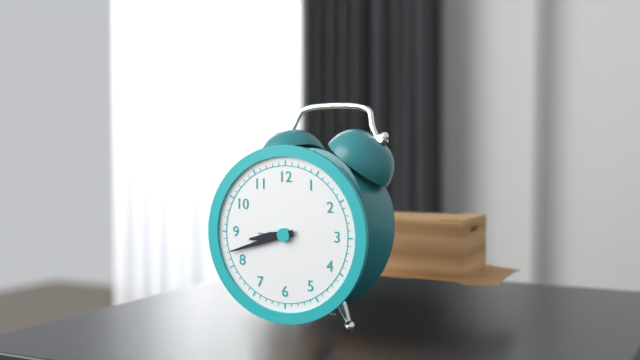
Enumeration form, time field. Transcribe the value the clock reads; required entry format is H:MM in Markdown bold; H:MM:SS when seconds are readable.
**8:42**
